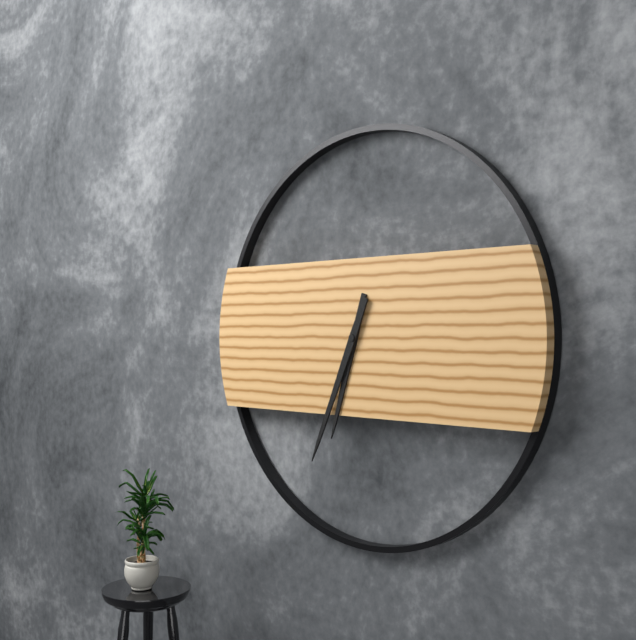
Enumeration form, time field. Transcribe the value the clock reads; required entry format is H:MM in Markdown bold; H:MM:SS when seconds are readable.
**6:34**
